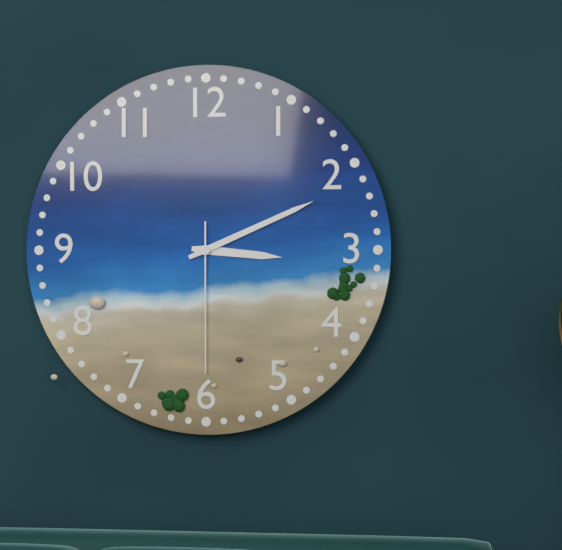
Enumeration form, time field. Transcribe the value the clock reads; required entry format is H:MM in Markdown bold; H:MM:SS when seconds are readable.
**3:11:30**
